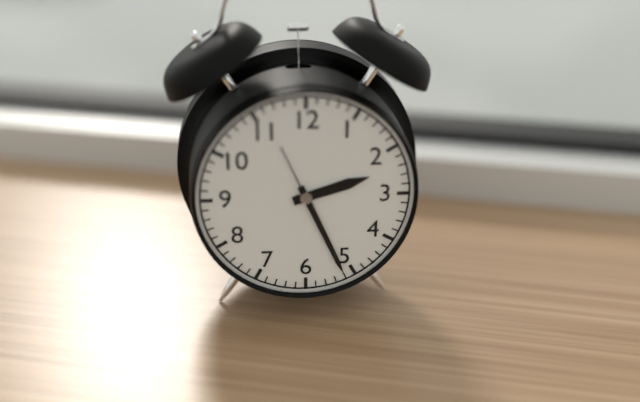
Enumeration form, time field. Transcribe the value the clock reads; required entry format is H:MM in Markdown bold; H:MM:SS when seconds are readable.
**2:26**
